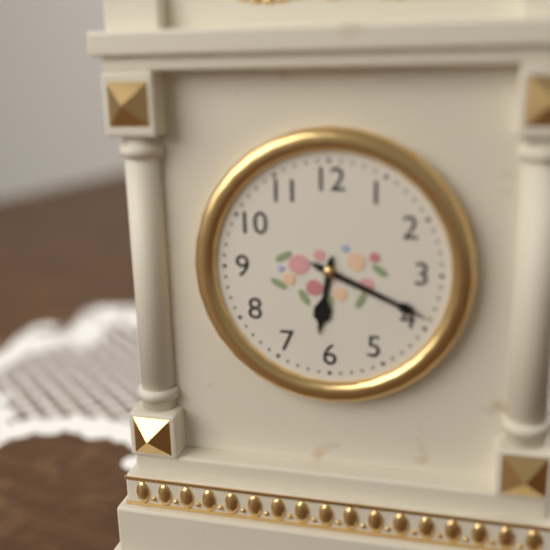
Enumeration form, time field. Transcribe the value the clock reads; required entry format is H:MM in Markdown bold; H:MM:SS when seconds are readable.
**6:19**
